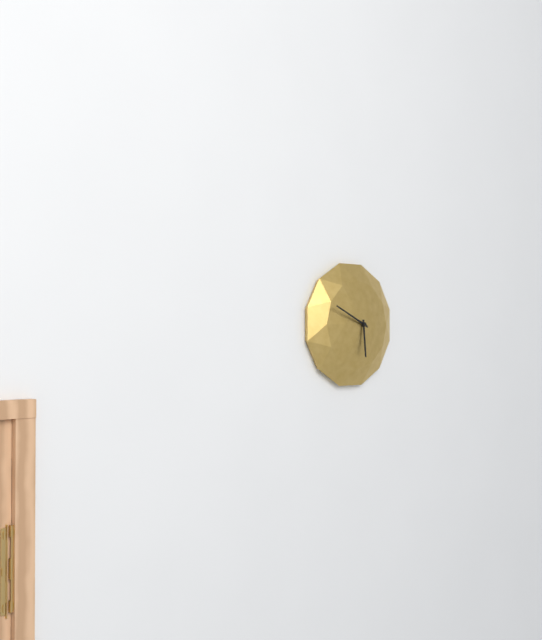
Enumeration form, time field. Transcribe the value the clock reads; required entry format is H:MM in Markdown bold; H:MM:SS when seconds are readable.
**5:49**
